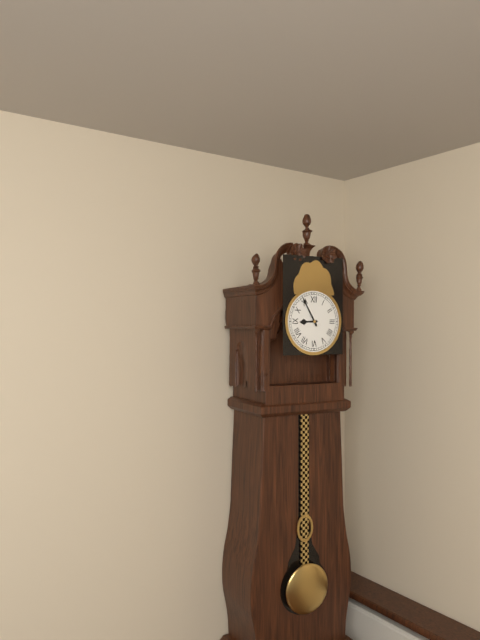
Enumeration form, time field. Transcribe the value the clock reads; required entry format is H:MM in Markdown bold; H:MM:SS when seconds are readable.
**8:55**
